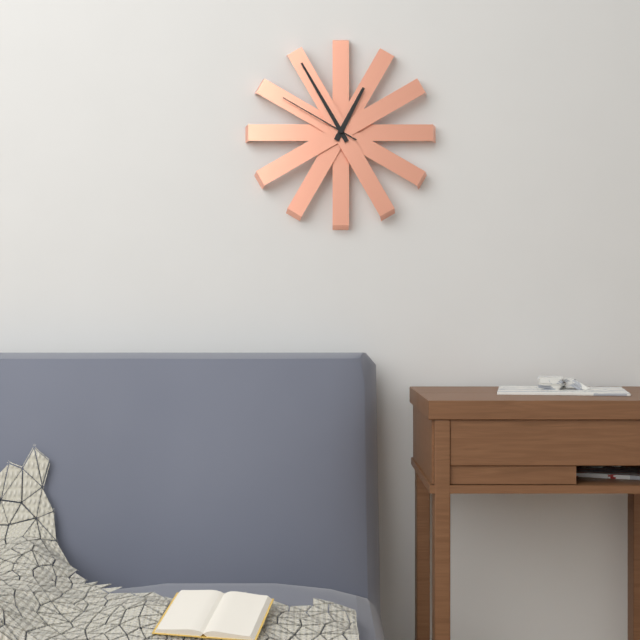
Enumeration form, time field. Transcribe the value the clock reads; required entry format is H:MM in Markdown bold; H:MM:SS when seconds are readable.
**12:55:50**
